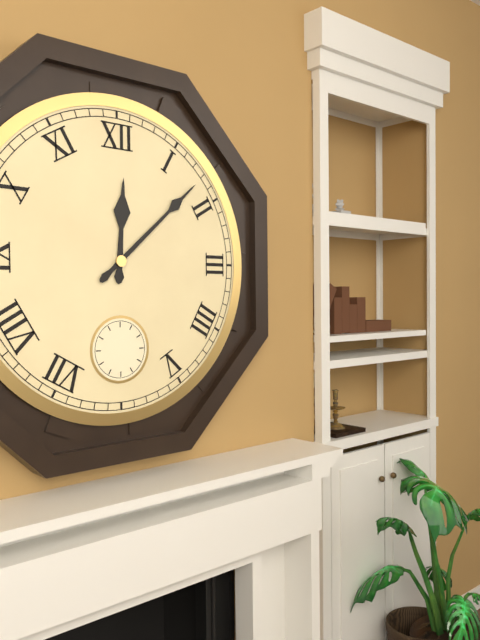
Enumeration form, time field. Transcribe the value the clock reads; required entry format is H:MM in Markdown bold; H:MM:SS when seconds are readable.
**12:08**
